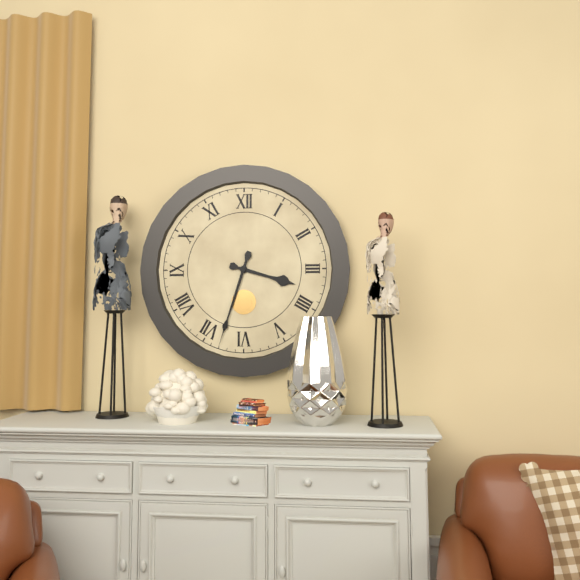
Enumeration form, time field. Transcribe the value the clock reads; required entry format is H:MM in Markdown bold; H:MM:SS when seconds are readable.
**3:33**
